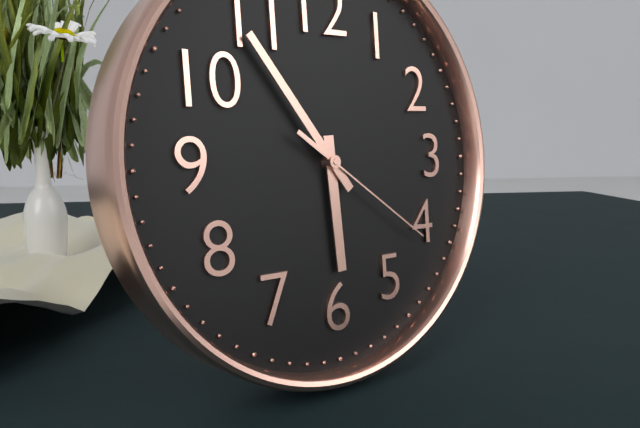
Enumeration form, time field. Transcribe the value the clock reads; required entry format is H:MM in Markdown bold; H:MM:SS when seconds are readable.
**5:54:21**
